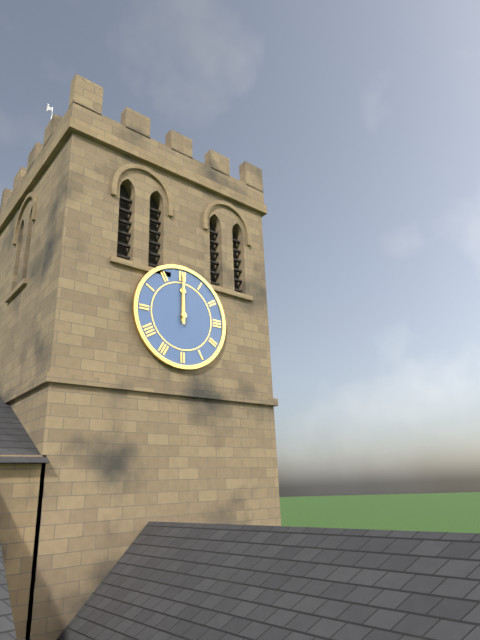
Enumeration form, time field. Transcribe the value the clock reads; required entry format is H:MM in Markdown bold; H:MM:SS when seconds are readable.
**12:00**
